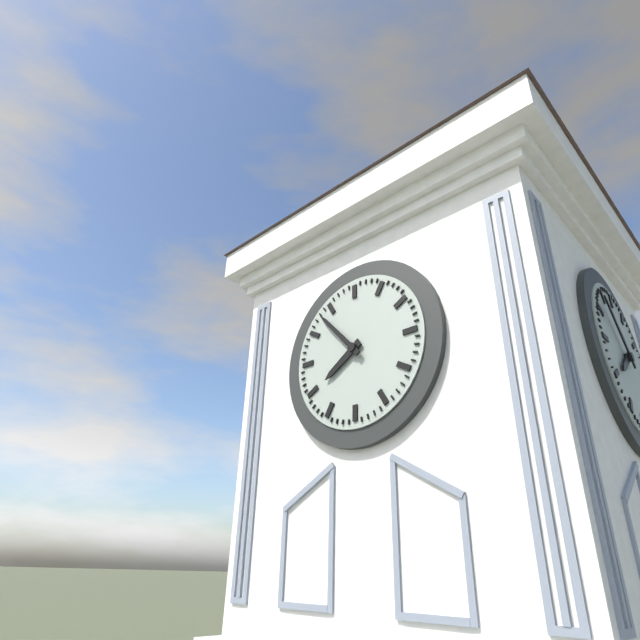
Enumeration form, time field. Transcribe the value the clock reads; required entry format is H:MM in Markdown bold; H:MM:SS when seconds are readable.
**7:53**
